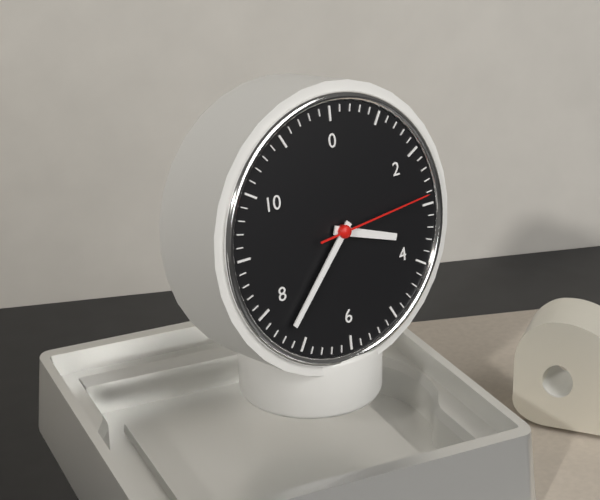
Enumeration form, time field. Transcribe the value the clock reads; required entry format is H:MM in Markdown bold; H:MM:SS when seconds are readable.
**3:37:14**
